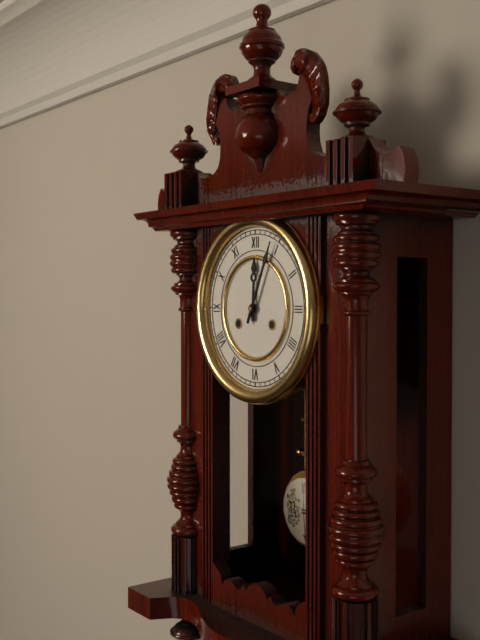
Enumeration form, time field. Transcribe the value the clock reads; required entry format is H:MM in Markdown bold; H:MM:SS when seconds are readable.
**12:04**
